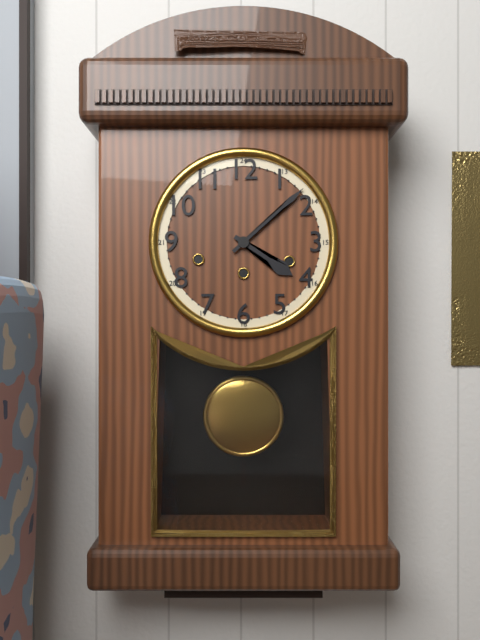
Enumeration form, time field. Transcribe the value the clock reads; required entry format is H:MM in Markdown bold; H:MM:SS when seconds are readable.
**4:08**
